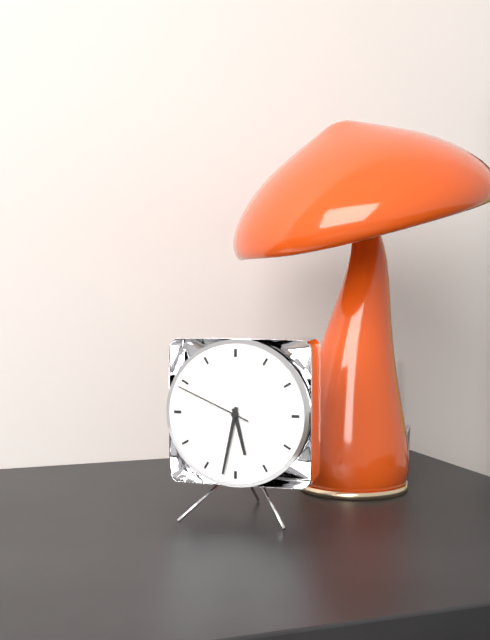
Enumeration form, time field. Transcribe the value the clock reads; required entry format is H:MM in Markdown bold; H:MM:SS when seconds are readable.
**5:32:49**
